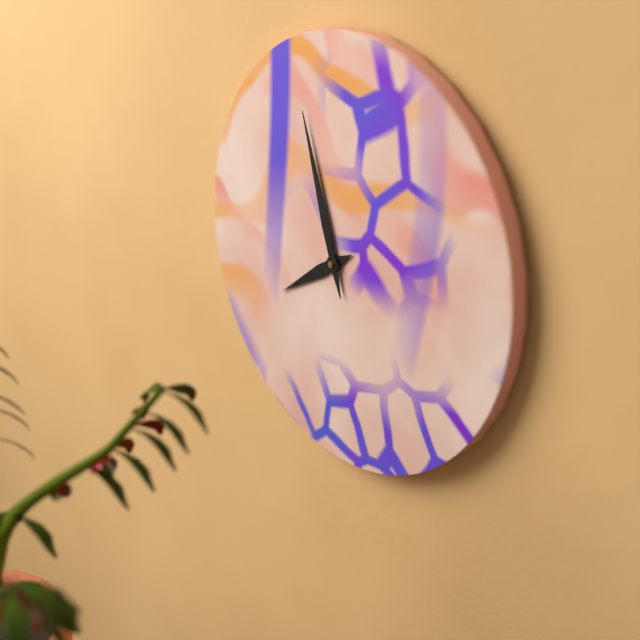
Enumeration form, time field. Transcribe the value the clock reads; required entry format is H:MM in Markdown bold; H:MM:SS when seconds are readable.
**7:57**
